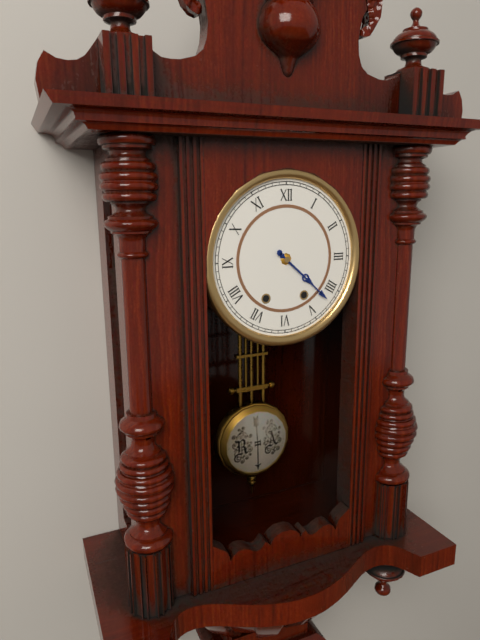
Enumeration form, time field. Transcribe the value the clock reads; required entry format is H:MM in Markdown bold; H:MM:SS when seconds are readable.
**4:22**
